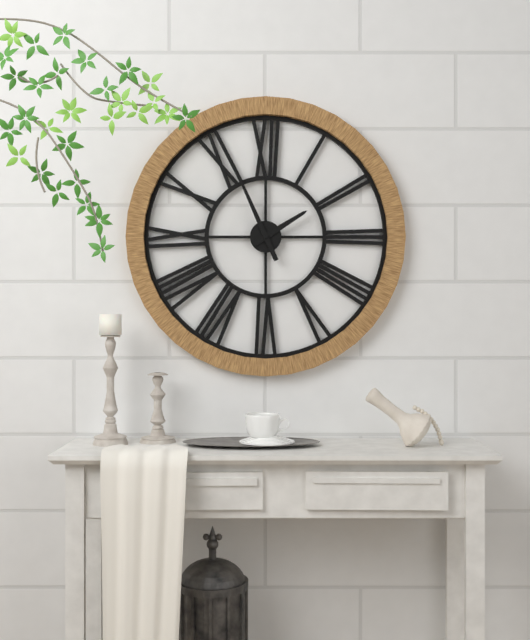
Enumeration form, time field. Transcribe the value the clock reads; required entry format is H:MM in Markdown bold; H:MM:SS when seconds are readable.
**1:56**
